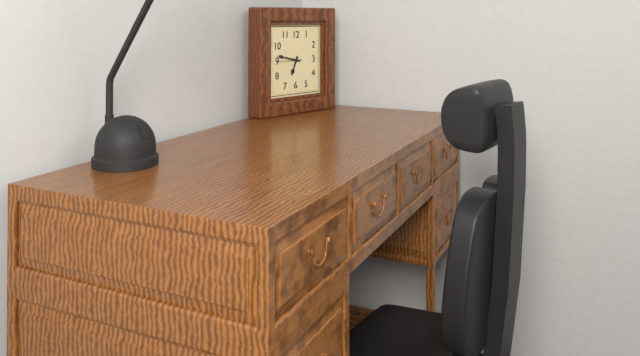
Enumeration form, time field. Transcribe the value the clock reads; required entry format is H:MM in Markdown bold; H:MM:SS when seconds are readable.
**6:47**
